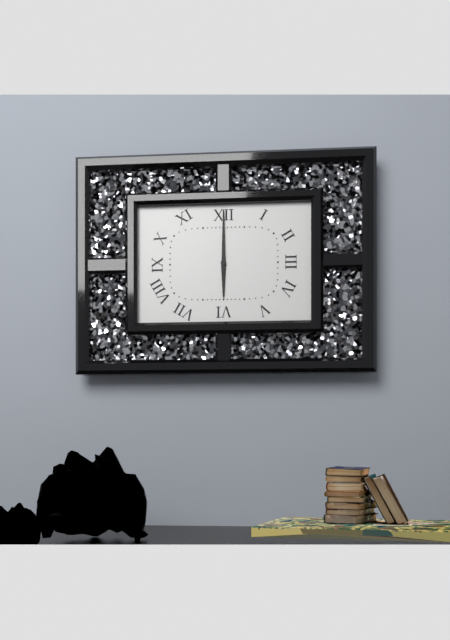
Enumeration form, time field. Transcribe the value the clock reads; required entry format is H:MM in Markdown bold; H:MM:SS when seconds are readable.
**6:00**
